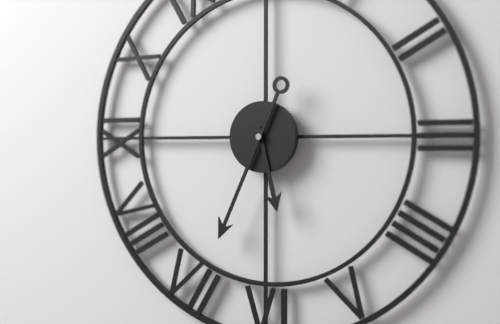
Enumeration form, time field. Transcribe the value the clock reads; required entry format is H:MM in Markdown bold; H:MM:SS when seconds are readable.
**5:34**
